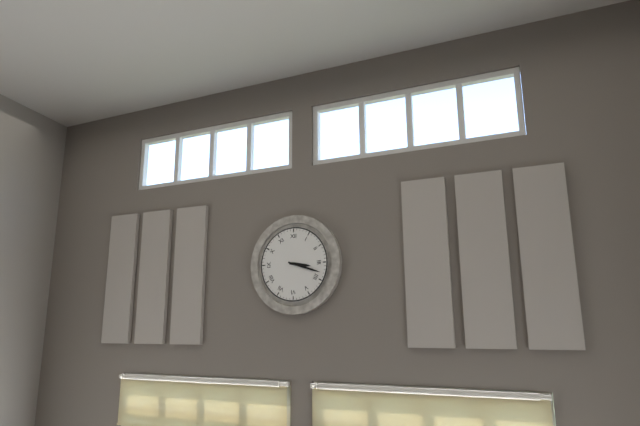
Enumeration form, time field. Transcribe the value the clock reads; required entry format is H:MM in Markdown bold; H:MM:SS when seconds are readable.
**3:18**
